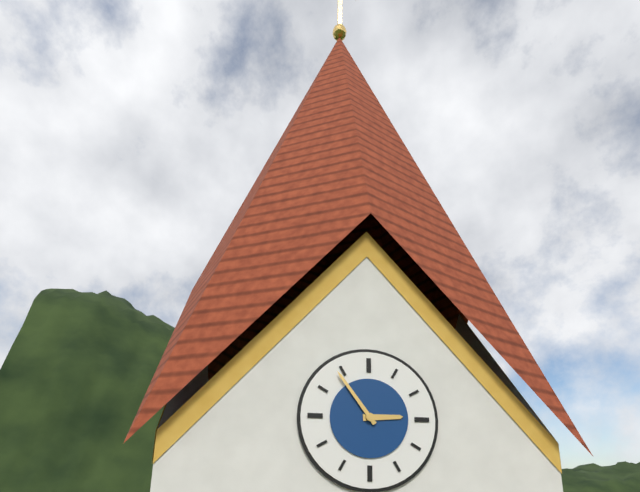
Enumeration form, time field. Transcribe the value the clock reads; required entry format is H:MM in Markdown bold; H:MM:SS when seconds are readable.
**2:54**
